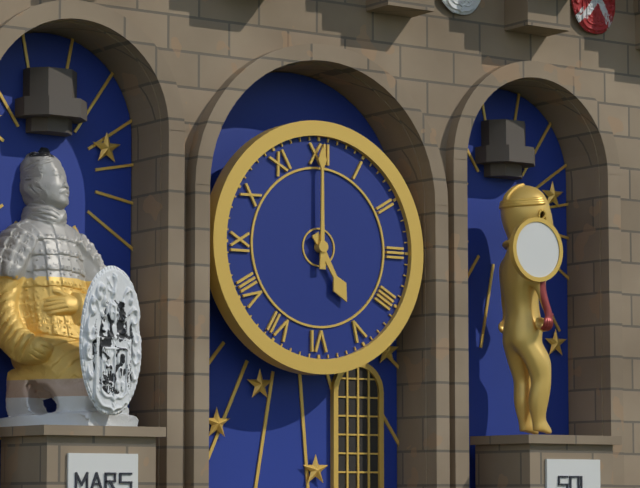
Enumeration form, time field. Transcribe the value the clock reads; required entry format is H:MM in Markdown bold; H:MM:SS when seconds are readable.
**5:00**
